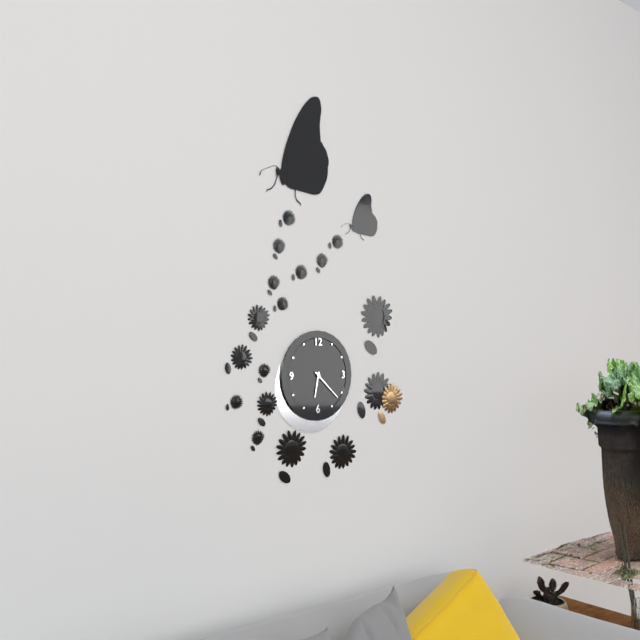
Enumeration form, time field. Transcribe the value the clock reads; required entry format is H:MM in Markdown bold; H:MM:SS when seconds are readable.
**6:22**
